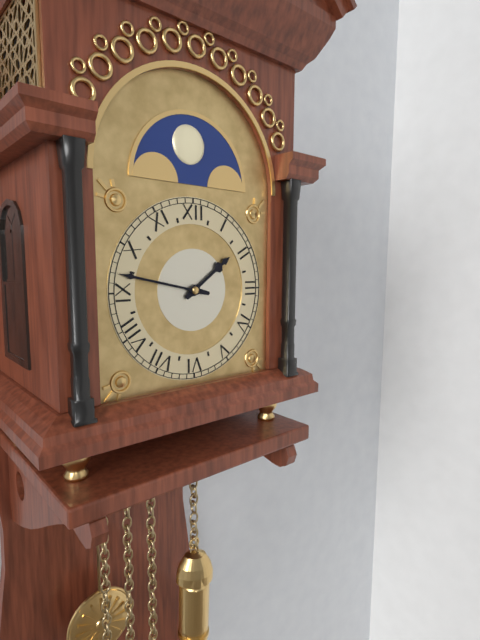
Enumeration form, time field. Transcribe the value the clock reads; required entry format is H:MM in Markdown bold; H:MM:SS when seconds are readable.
**1:47**
